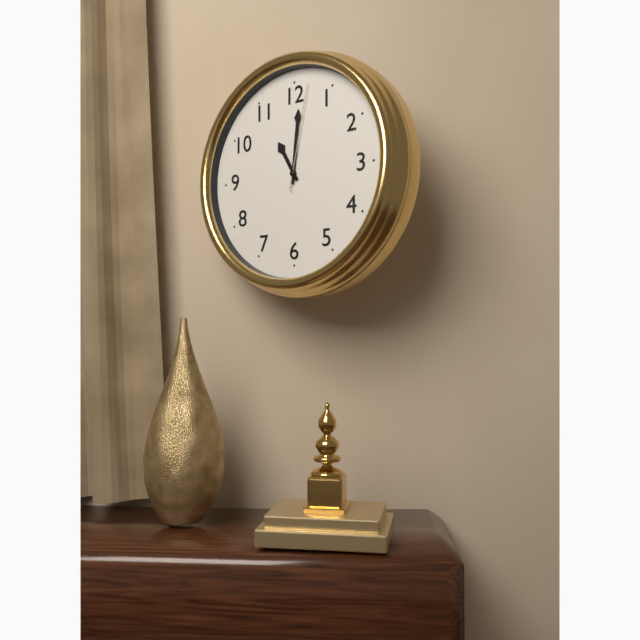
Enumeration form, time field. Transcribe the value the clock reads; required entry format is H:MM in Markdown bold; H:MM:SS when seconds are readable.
**11:01:02**
